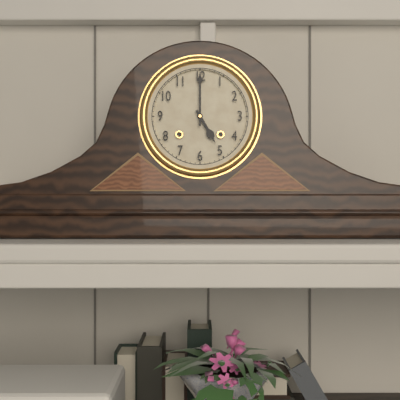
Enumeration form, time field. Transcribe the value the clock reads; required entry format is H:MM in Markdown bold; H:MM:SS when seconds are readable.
**5:00**
